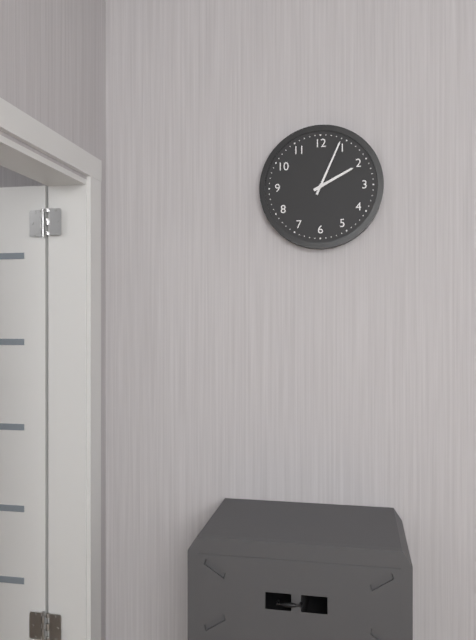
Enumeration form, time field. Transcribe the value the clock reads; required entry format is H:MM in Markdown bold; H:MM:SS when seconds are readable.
**2:04**
